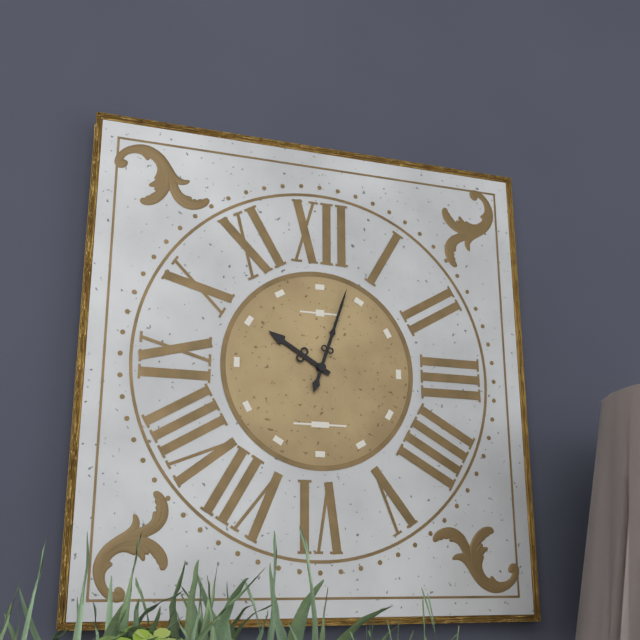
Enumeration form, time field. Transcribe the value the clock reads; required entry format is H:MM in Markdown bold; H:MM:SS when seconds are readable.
**10:03**
